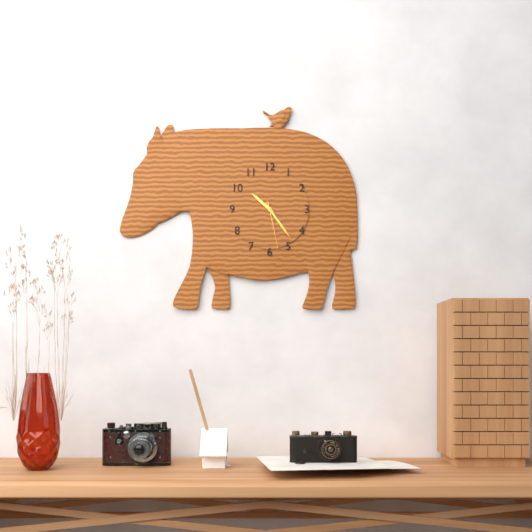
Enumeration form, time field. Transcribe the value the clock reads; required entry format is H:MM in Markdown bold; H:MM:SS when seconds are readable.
**10:24:28**
